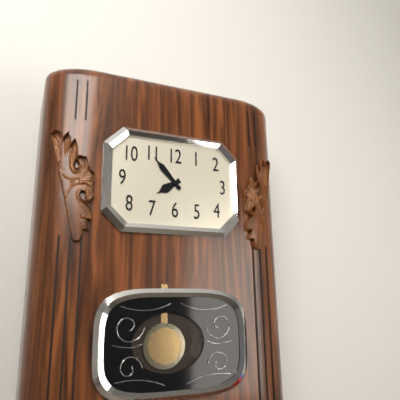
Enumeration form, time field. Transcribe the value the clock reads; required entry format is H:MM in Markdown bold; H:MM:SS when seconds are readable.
**7:53**
